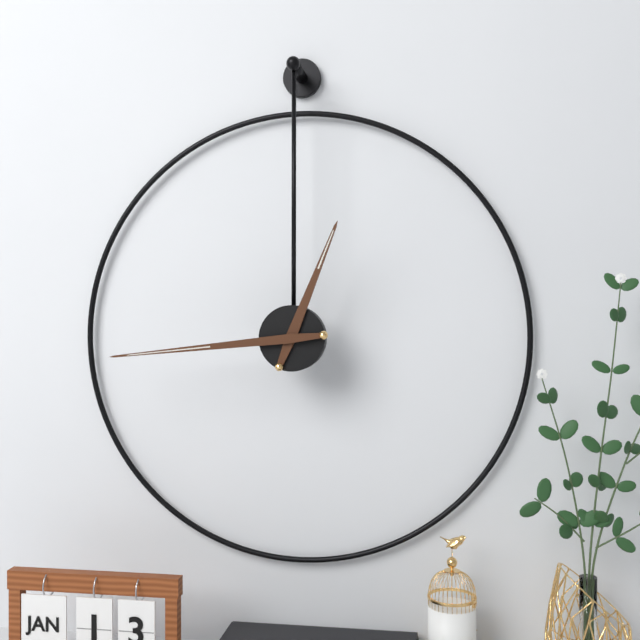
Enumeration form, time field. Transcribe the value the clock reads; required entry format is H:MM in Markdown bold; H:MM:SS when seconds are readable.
**12:44**
